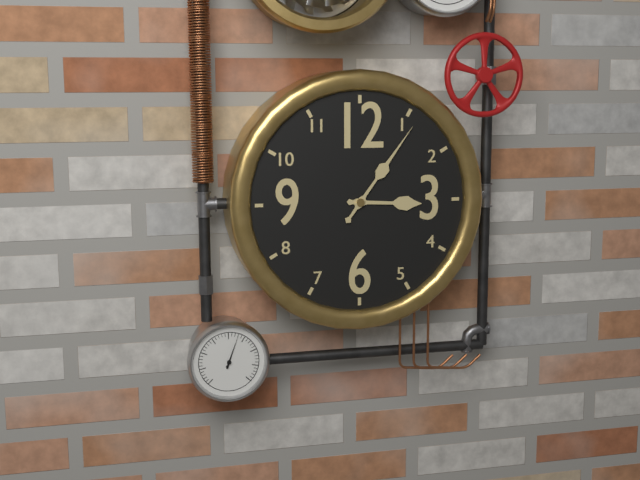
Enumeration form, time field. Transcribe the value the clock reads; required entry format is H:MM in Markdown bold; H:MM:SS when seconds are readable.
**3:06**
